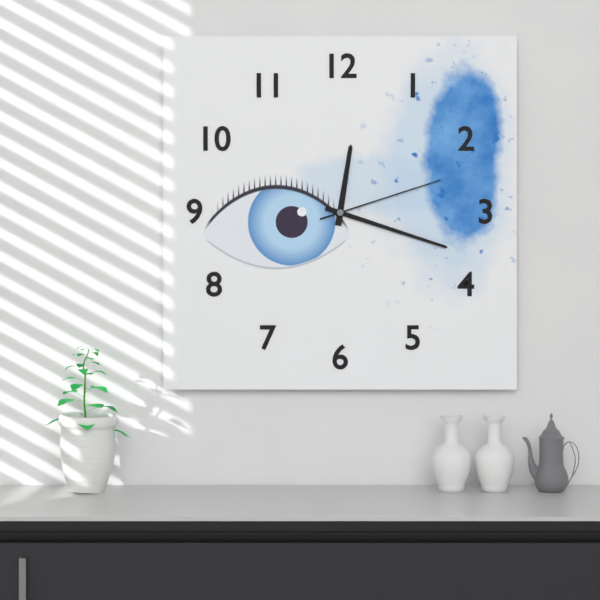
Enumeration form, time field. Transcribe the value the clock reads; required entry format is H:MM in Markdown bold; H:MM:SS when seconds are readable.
**12:18:12**
